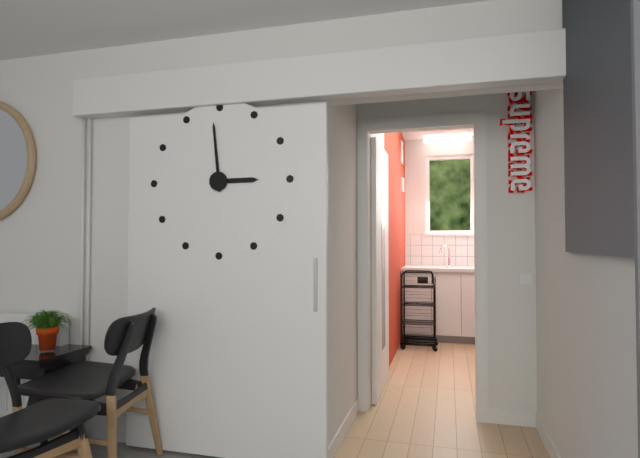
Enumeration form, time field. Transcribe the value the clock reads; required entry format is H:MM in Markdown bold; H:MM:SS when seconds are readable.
**2:59**
